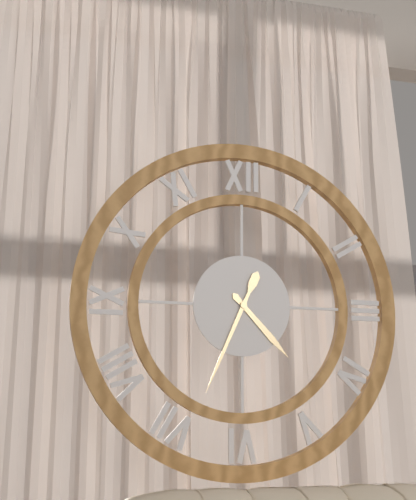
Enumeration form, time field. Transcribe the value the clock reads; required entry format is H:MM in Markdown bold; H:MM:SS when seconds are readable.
**4:34**
